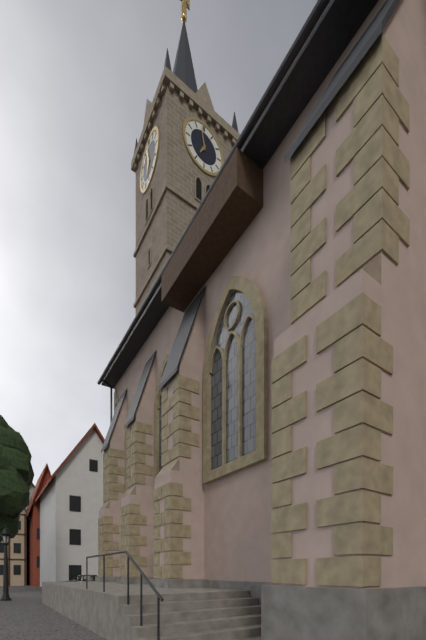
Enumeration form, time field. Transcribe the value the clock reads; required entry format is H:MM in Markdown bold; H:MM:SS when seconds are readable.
**6:58**
